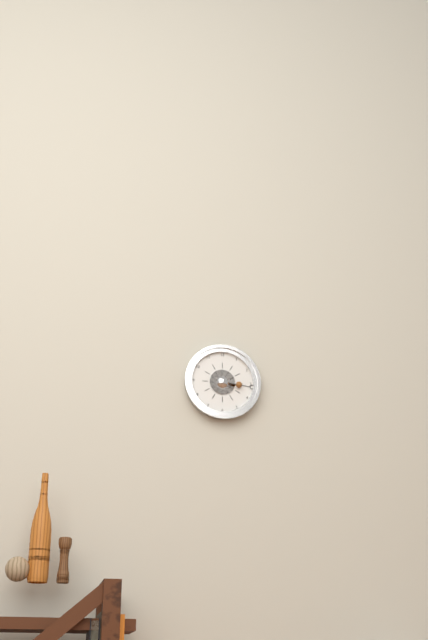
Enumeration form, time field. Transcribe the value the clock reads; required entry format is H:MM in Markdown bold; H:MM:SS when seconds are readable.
**3:16**
